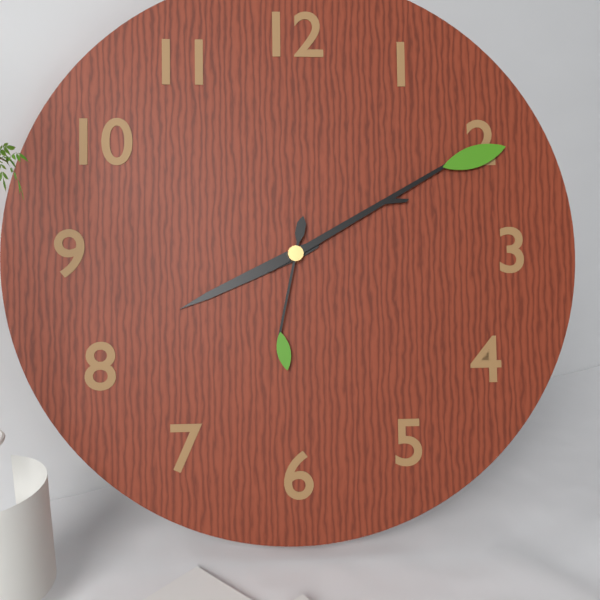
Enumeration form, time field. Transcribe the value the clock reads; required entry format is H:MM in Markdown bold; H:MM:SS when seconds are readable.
**8:10:32**
